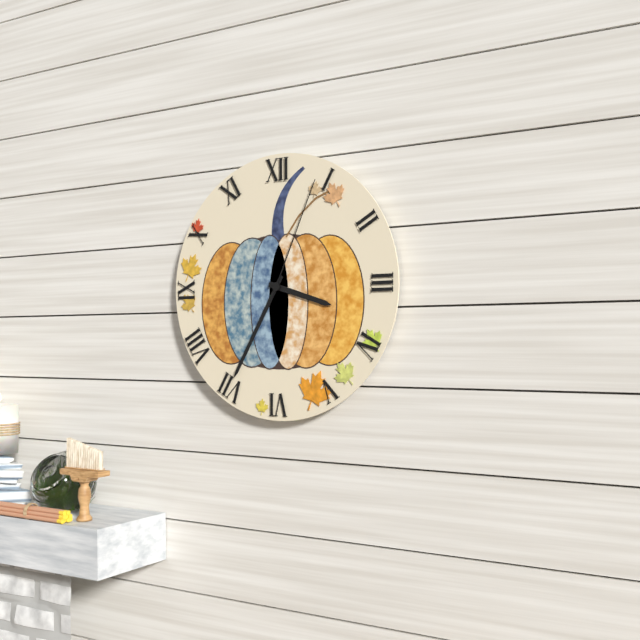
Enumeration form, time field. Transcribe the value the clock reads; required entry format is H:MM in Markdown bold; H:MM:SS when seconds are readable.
**3:35:04**
